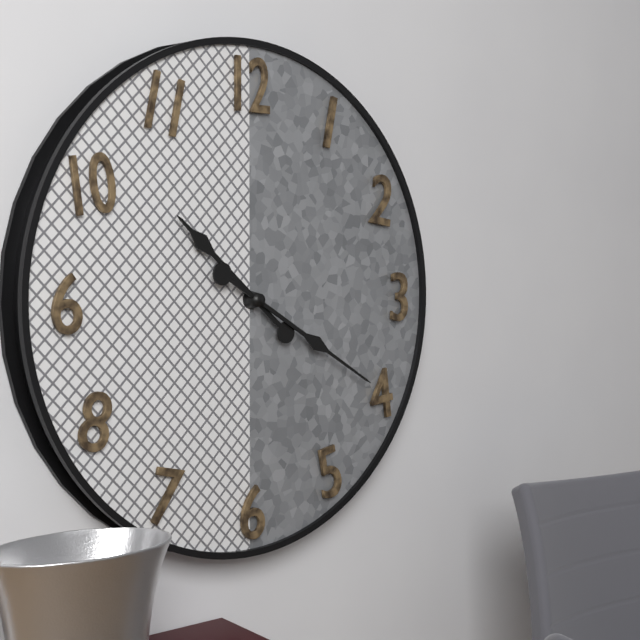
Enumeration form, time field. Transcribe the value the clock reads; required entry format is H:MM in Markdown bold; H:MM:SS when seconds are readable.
**10:20**
